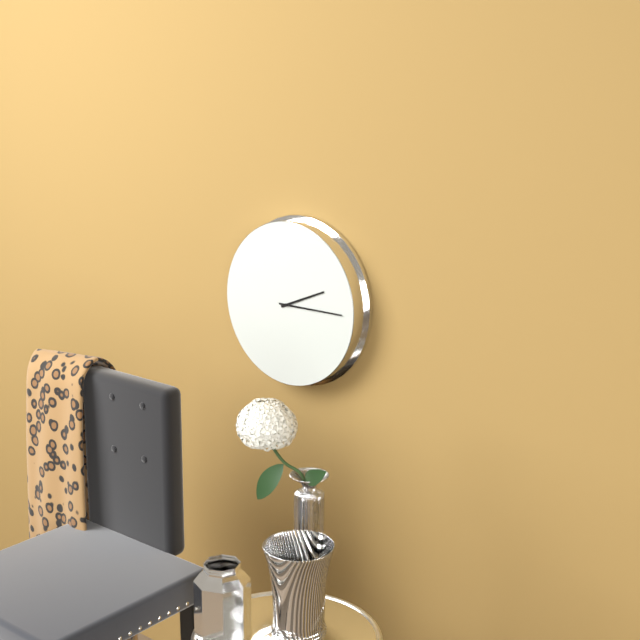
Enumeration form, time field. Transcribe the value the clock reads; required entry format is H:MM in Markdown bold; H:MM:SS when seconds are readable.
**2:15**
